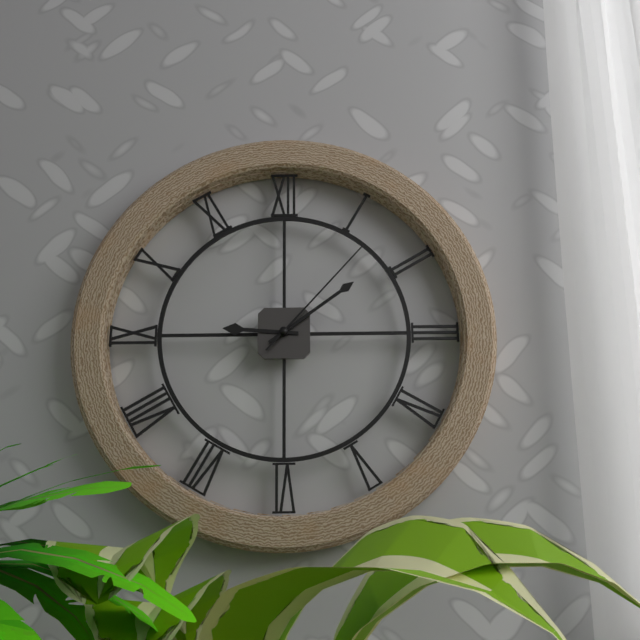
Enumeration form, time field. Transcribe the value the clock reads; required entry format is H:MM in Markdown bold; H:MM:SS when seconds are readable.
**9:09:07**
